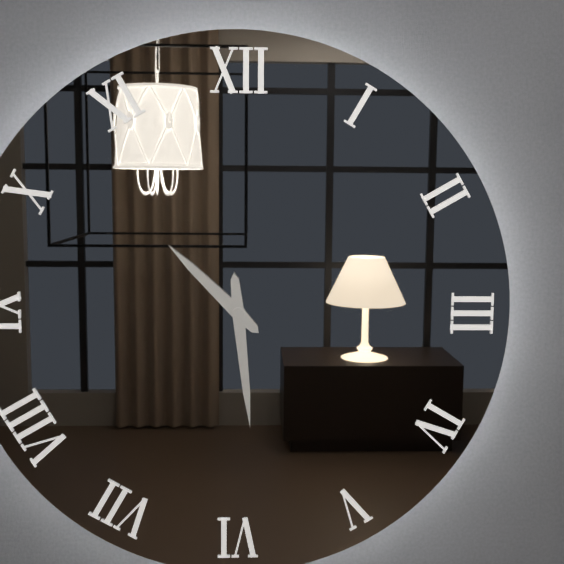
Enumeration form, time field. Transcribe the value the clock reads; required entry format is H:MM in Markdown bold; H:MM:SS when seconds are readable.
**10:29**
